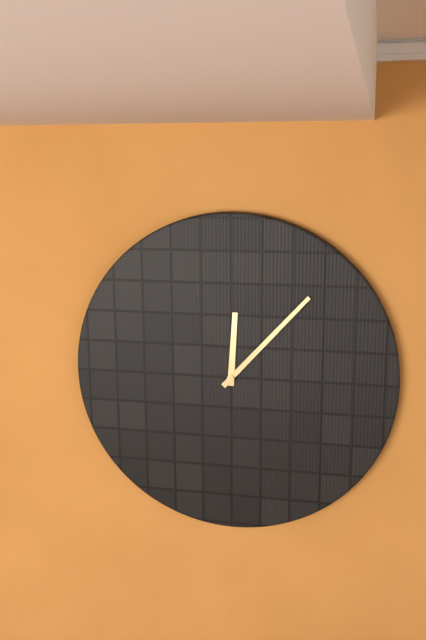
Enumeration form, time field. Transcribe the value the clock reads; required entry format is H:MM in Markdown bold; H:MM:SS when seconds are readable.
**12:07**
